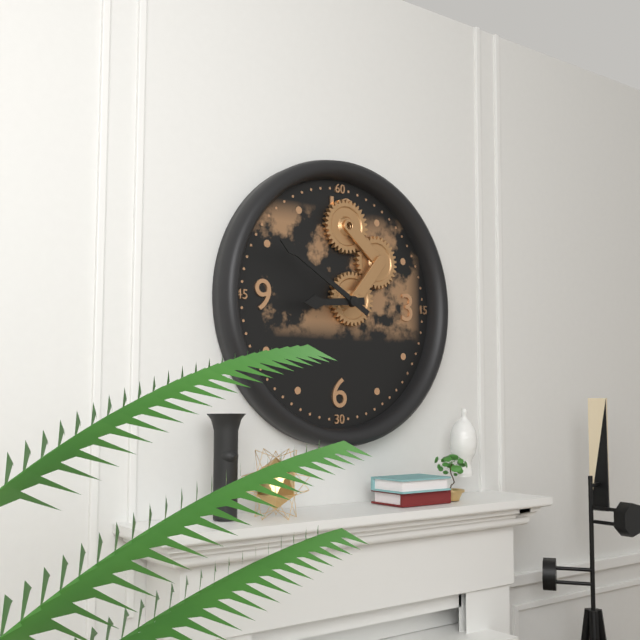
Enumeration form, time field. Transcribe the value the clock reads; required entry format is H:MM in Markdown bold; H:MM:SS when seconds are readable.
**8:50**
